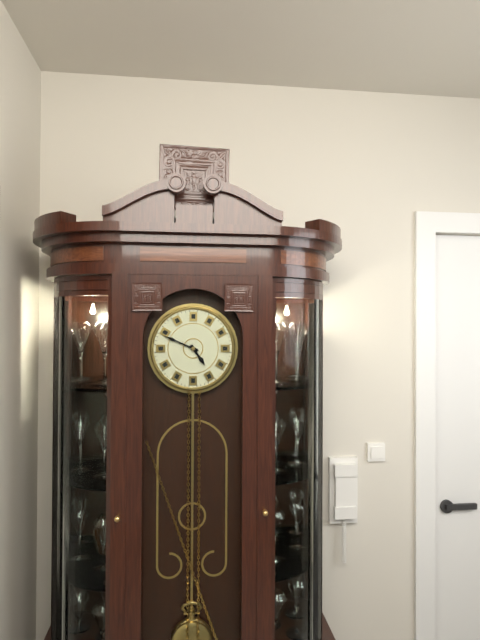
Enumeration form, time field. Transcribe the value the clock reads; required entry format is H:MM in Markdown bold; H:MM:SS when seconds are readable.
**4:49**
